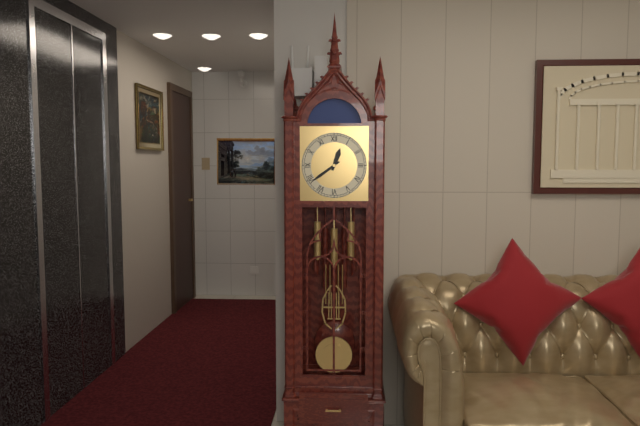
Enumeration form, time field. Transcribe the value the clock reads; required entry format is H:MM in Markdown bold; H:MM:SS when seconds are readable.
**12:39**
